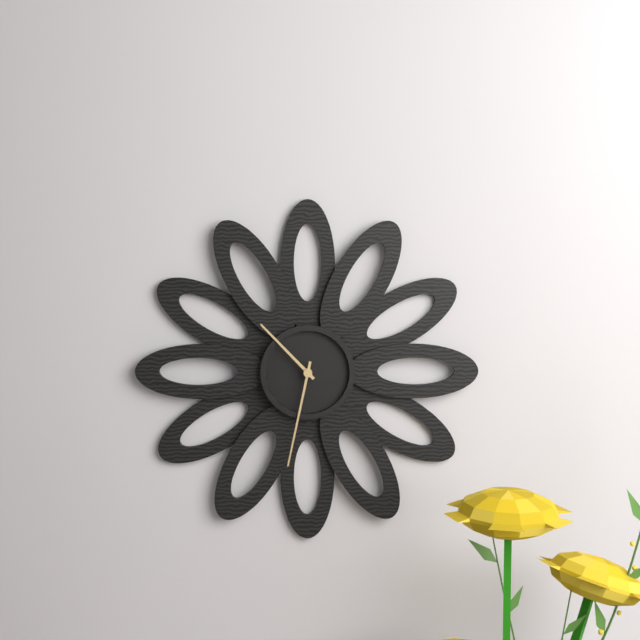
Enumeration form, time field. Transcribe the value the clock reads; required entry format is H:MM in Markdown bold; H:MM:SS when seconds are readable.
**10:32**
